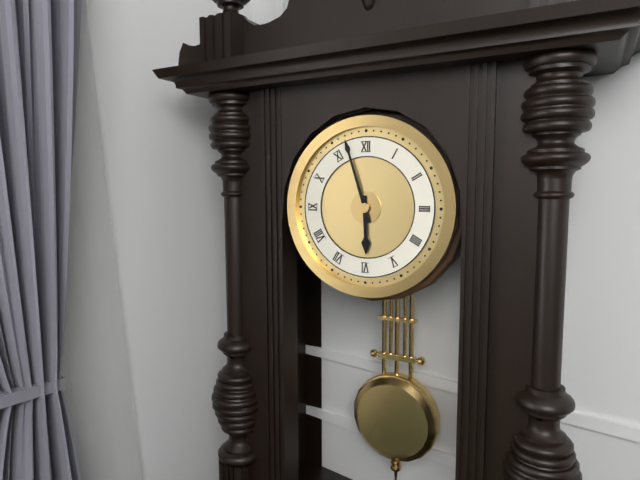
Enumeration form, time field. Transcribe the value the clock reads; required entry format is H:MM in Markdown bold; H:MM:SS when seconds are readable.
**5:57**
